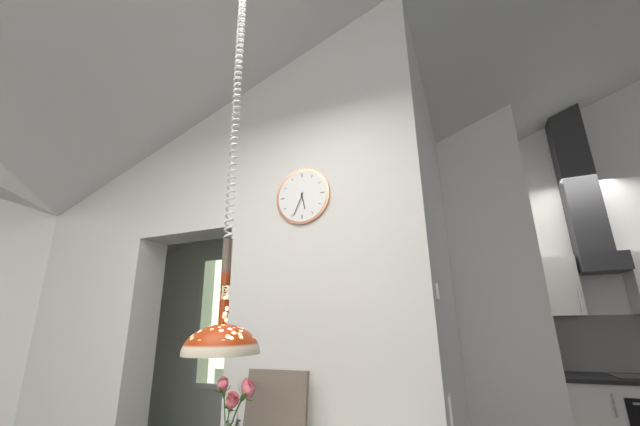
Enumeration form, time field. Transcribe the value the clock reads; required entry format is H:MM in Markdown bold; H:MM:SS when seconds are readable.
**5:34**
